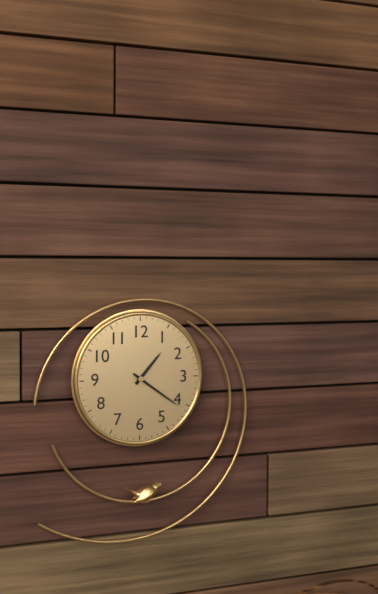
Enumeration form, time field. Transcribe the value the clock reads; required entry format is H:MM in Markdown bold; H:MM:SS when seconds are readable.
**1:21**
